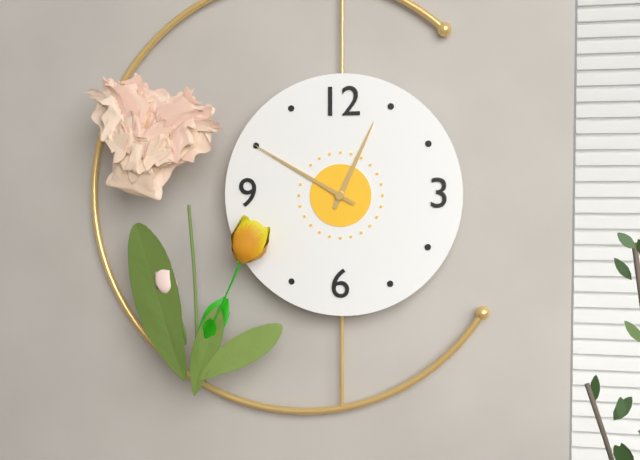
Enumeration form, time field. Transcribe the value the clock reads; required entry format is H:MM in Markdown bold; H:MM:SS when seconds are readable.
**12:50**
